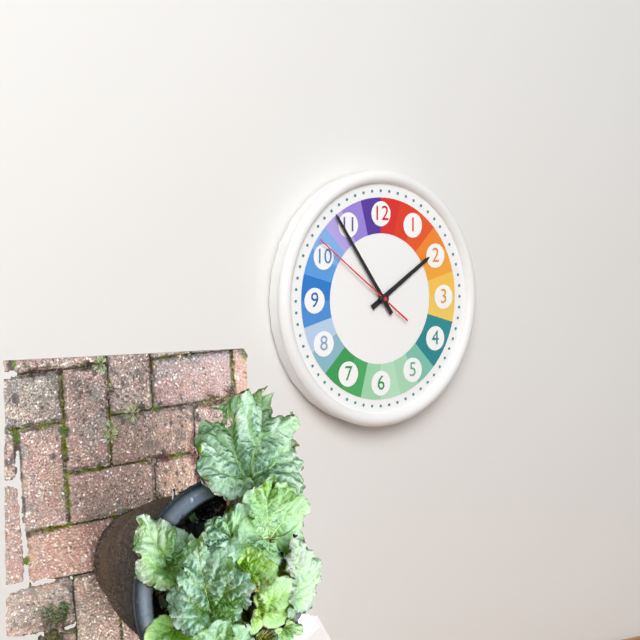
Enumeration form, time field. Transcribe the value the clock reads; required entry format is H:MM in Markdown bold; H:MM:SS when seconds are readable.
**1:54:51**
